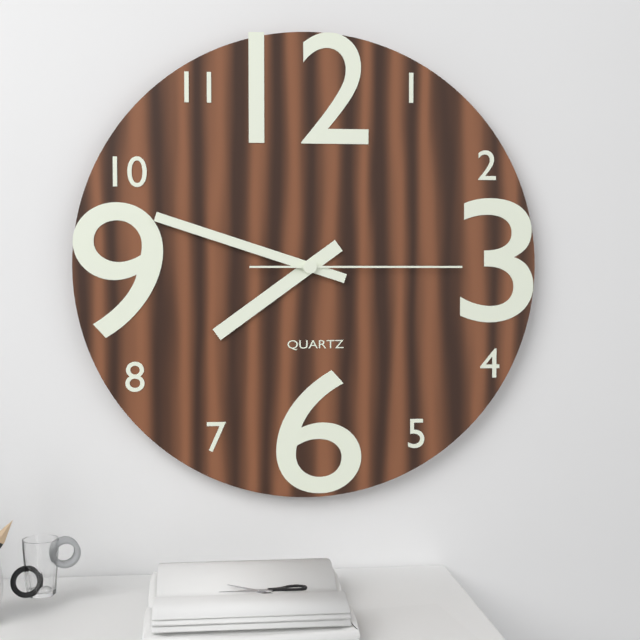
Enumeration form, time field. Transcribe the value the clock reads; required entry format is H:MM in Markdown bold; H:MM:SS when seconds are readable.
**7:48:15**
